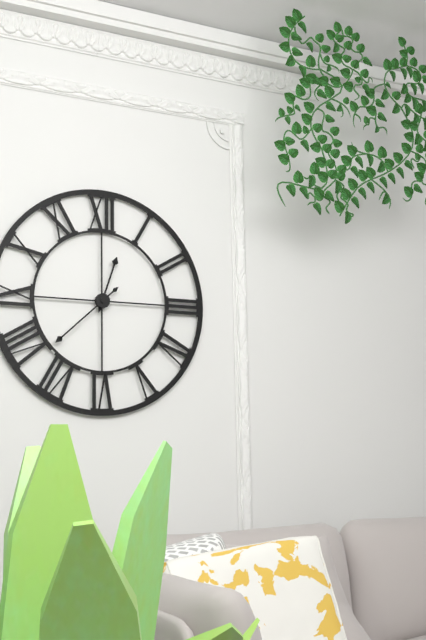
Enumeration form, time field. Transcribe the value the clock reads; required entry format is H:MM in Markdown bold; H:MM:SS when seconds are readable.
**12:38**
